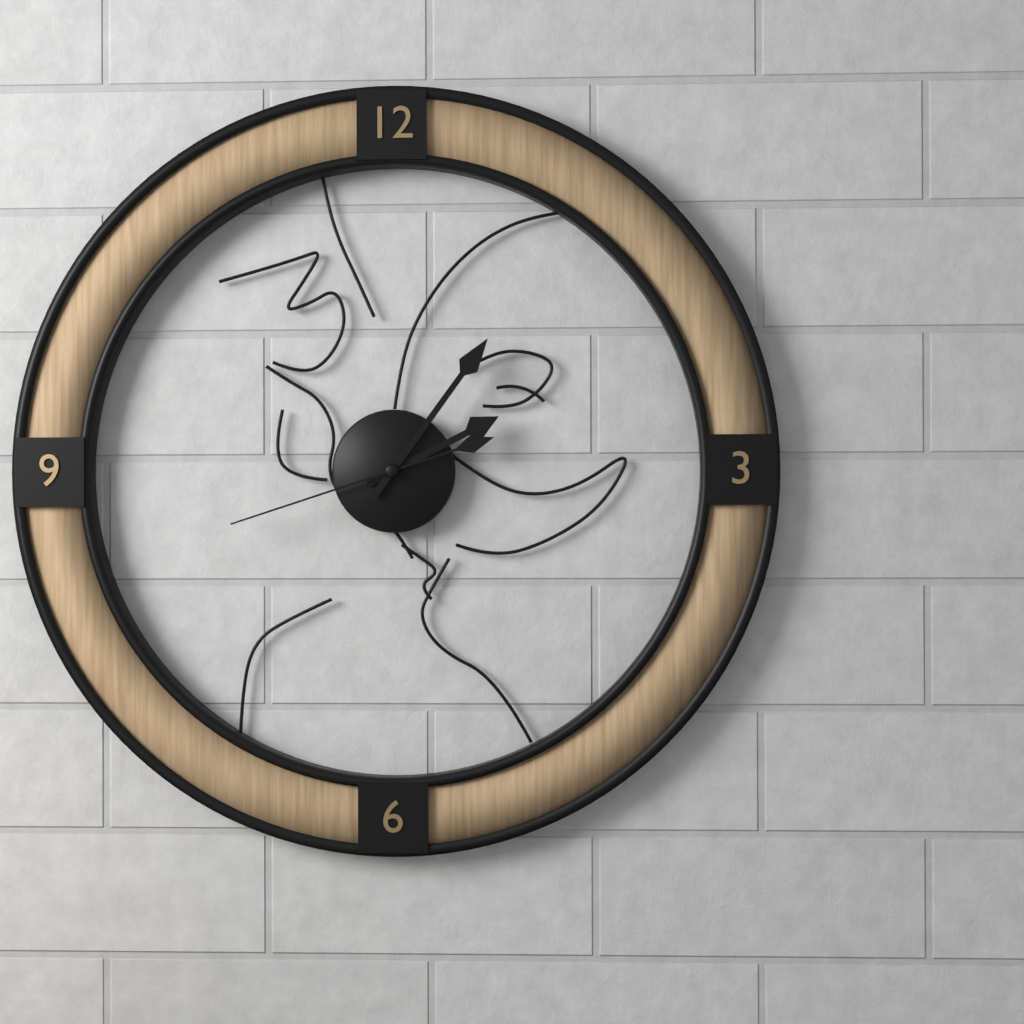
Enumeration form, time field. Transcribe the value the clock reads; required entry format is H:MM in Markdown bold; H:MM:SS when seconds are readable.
**2:06:42**
